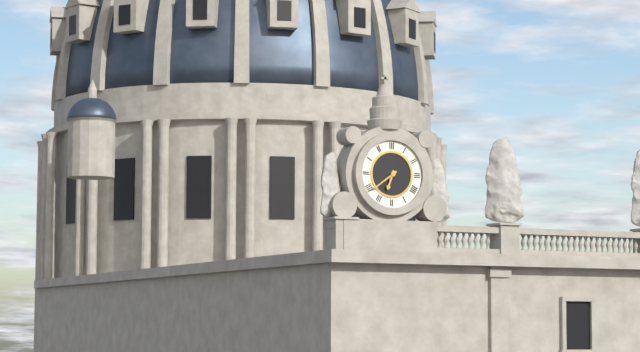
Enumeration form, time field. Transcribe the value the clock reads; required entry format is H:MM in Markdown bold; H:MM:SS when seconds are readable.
**6:39**
